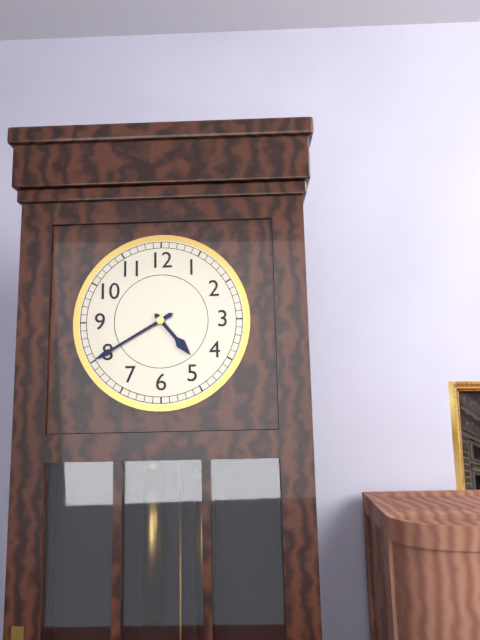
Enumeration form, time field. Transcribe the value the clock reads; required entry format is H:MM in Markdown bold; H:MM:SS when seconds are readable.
**4:40**
